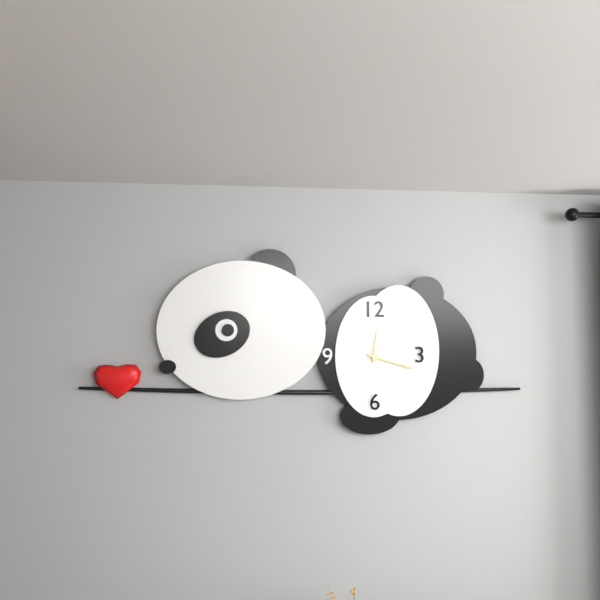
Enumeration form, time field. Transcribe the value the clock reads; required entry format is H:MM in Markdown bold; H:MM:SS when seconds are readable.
**12:18**
